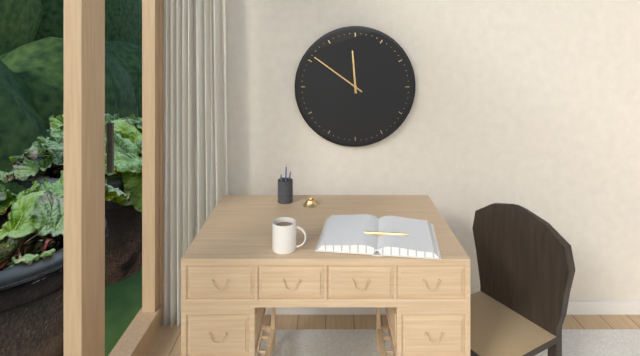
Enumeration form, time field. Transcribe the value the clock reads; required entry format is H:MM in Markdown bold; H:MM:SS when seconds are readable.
**11:51**
